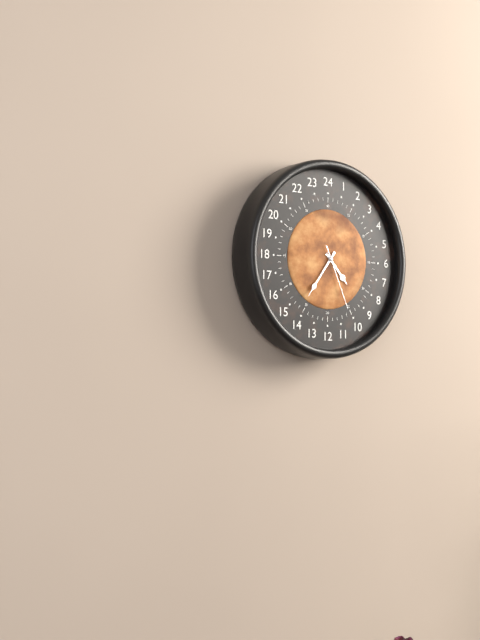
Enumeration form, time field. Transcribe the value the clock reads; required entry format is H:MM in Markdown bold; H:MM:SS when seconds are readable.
**4:36:26**
